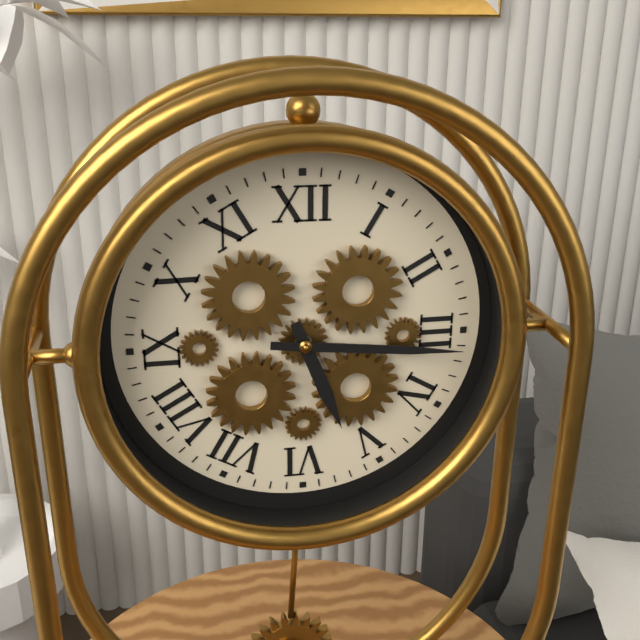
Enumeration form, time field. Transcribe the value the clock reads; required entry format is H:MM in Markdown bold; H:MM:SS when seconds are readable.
**5:16**
